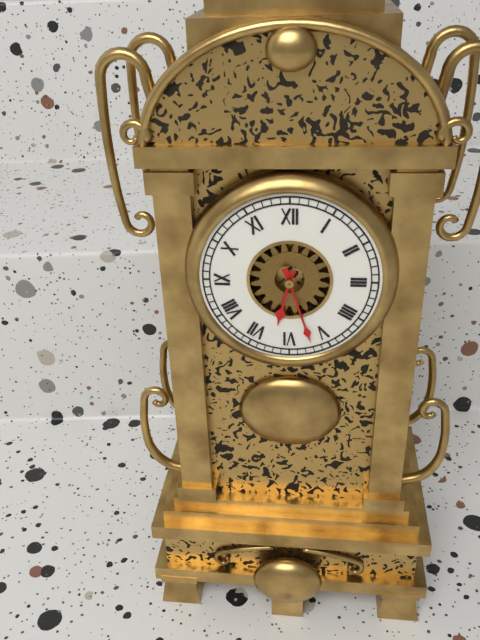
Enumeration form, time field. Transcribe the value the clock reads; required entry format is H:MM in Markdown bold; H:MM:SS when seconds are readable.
**6:27**
